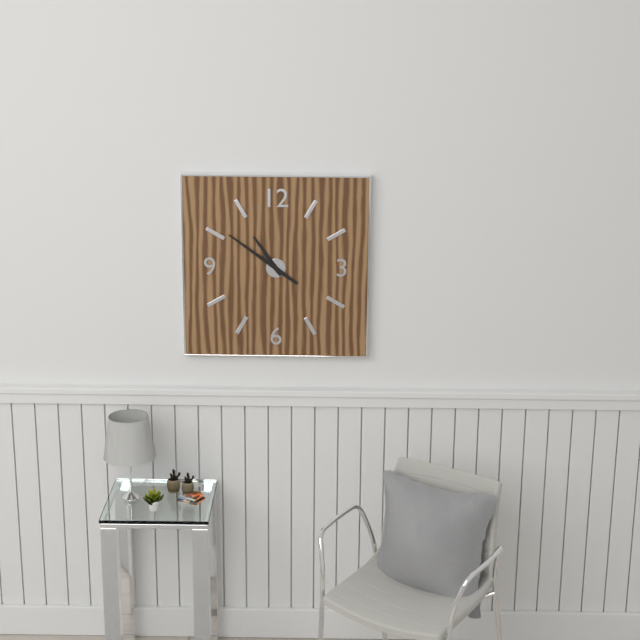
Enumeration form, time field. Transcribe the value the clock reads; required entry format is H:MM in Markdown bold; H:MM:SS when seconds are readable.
**10:51**
